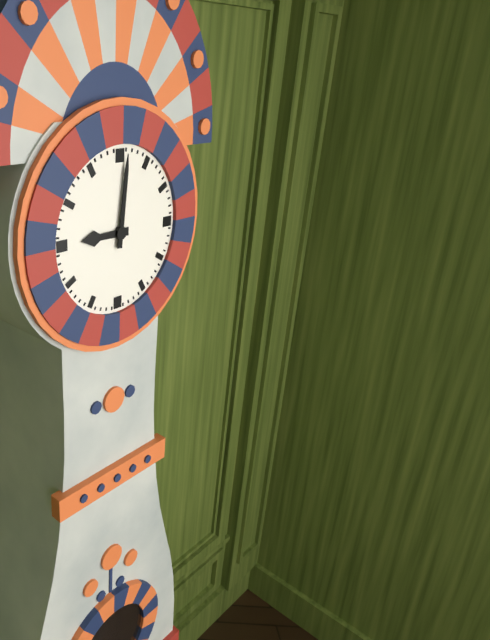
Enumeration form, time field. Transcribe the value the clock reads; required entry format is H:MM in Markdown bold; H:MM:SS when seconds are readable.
**9:01**
